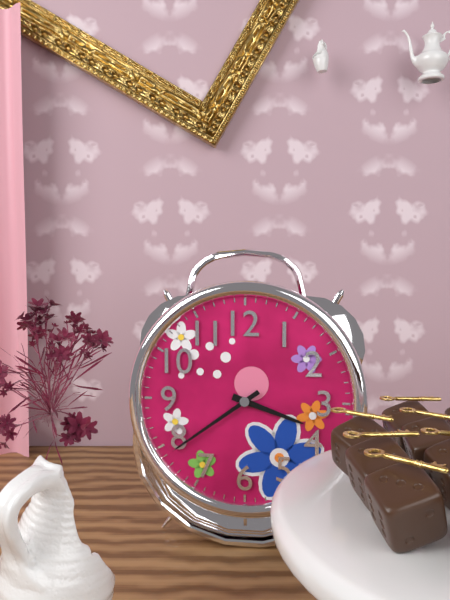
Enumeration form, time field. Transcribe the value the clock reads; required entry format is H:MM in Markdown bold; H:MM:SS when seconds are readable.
**3:39**
